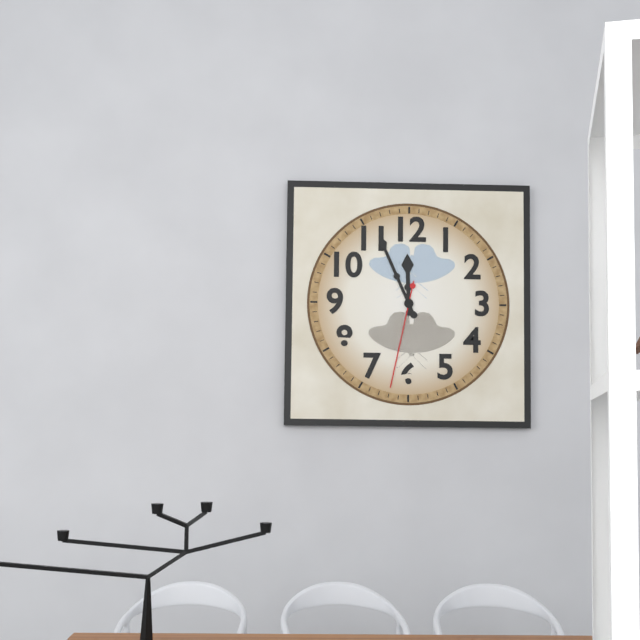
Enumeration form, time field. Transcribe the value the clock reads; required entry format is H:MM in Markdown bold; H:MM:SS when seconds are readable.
**11:56:32**
